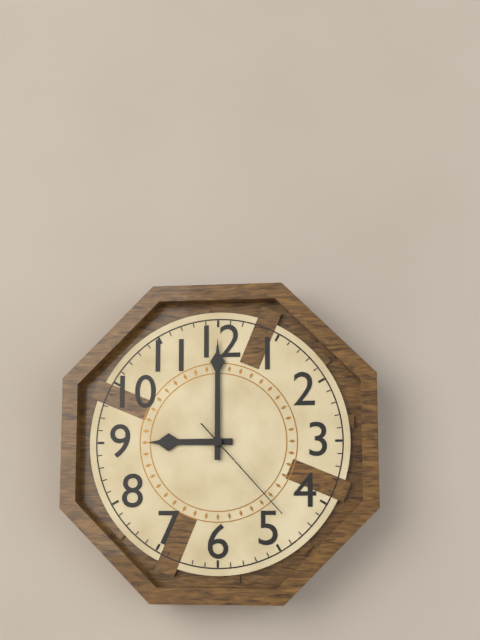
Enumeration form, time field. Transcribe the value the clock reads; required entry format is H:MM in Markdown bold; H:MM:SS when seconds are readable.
**9:00:23**
